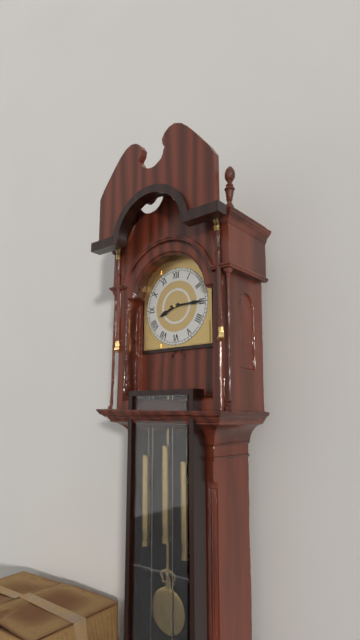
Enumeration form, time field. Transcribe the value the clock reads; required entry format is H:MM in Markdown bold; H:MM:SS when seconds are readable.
**8:15**
